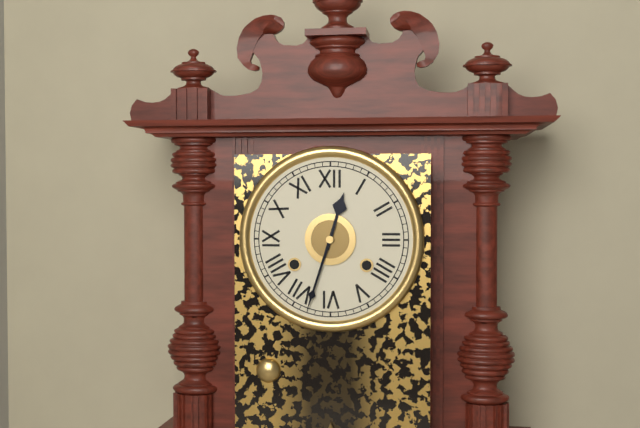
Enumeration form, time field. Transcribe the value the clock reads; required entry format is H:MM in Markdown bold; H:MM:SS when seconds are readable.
**12:33**
